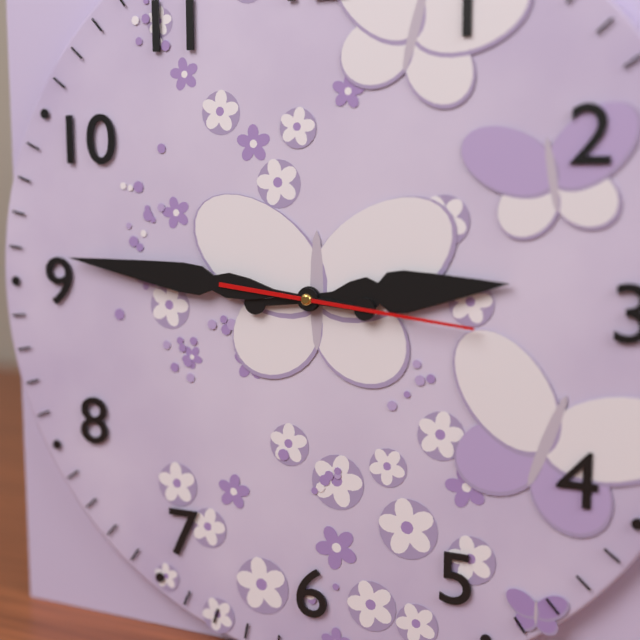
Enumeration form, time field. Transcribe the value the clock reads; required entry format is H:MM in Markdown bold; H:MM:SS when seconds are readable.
**2:46:16**
